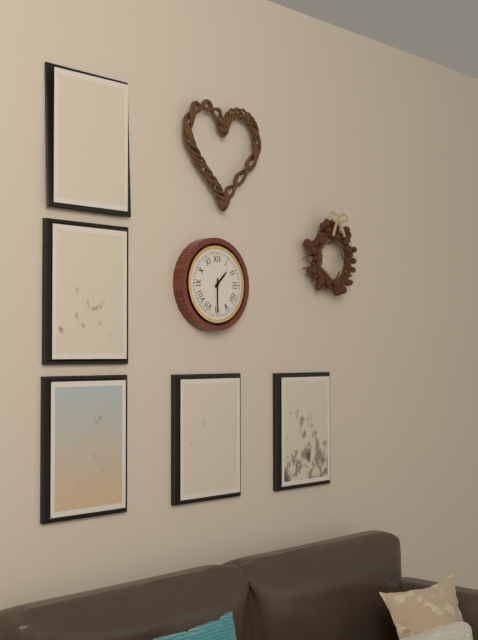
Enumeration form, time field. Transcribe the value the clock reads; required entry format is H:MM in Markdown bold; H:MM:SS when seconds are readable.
**1:30**
